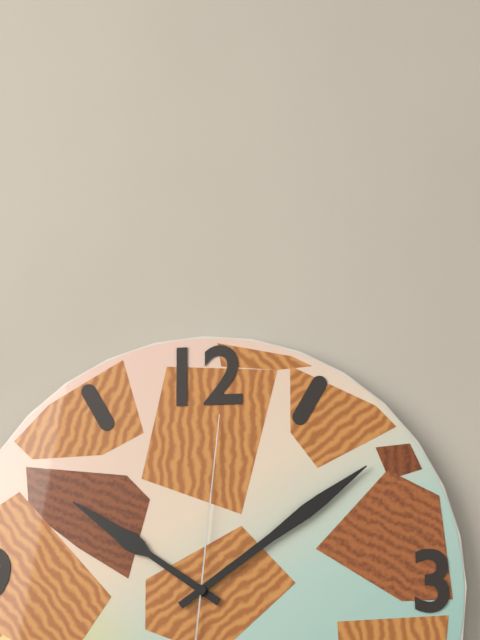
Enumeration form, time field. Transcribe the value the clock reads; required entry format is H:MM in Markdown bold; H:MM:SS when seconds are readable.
**10:09:01**
